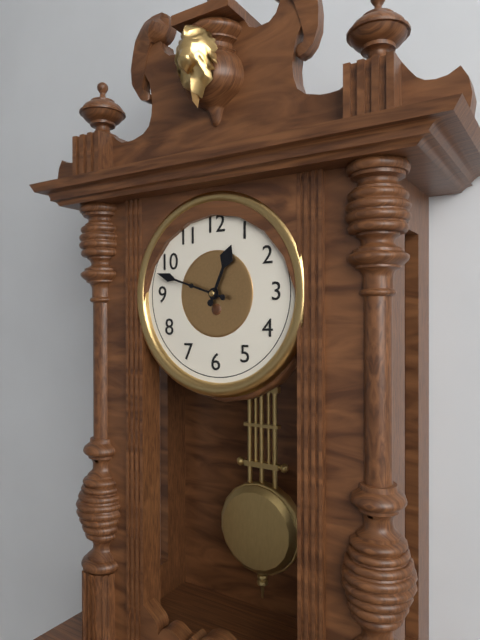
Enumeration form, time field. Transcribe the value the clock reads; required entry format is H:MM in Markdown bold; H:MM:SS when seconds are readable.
**12:48**
